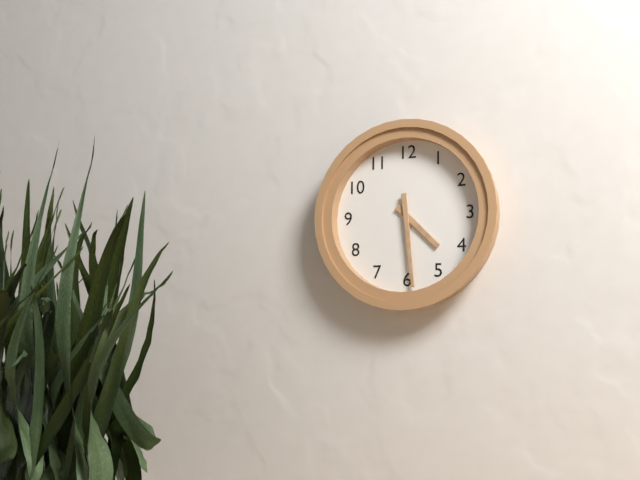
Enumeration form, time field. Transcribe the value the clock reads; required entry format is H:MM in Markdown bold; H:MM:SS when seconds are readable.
**4:29**
